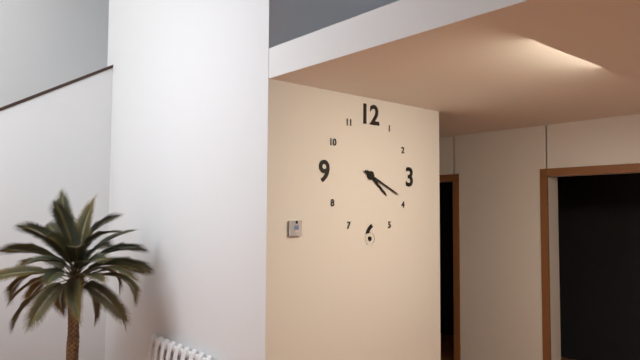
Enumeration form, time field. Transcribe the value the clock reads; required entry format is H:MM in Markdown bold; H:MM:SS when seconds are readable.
**4:19**
